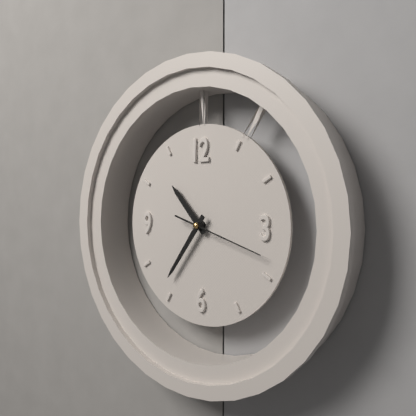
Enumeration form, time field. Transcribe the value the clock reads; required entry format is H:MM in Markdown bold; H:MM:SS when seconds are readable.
**10:36:18**
